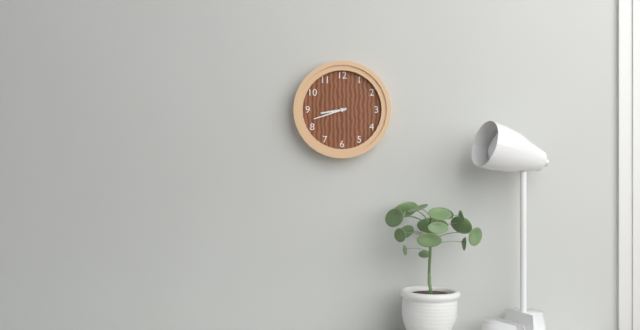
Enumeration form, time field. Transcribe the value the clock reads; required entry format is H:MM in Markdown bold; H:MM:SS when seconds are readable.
**8:42**
